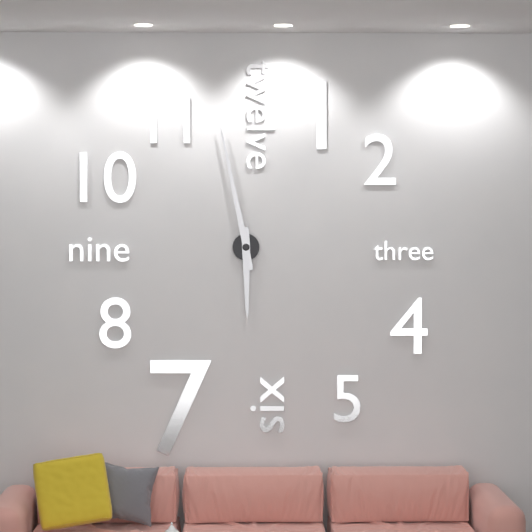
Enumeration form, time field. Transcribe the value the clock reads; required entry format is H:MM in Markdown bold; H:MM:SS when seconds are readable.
**5:58**
